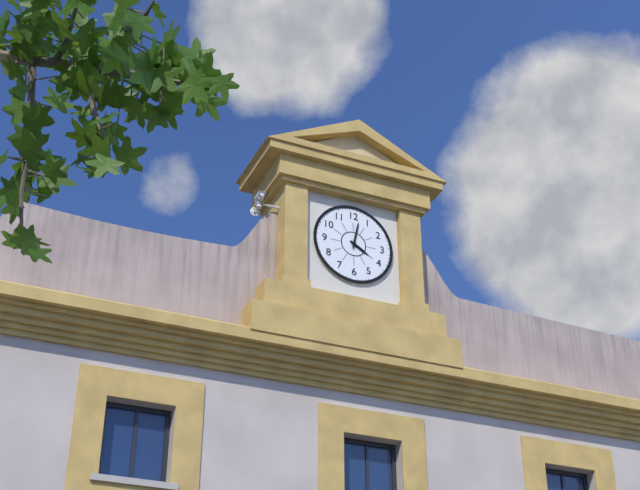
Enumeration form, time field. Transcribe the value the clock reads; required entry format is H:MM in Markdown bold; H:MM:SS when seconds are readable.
**4:02**
